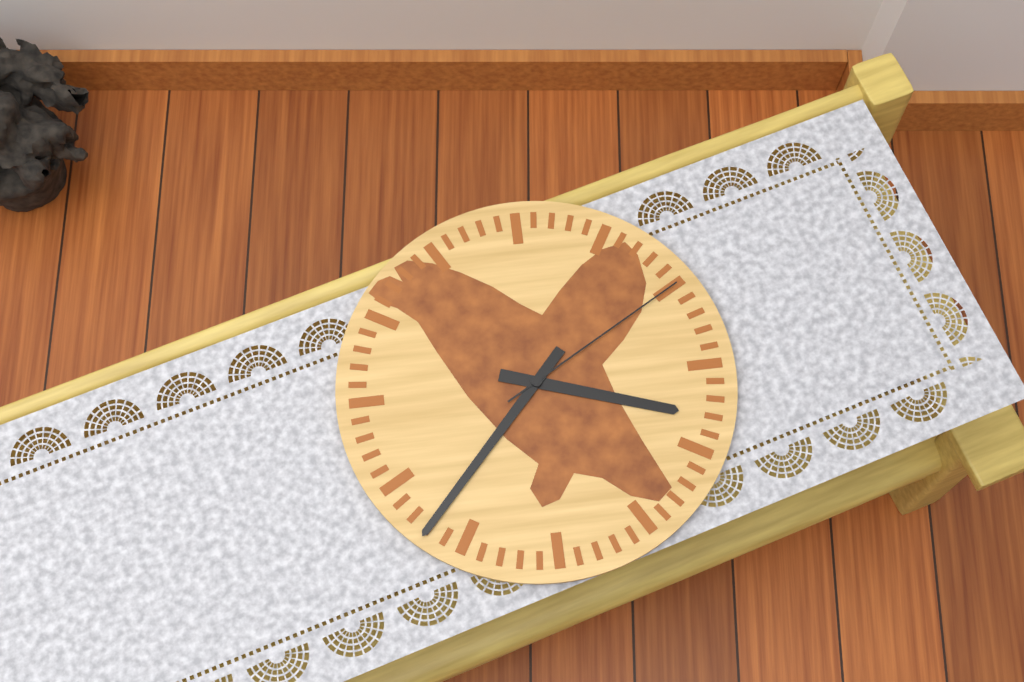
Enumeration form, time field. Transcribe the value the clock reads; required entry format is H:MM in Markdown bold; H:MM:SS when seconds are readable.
**3:37:10**
